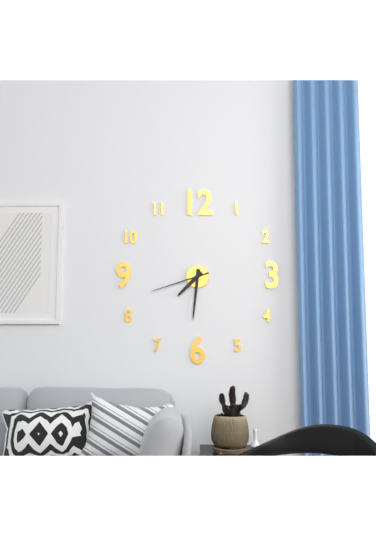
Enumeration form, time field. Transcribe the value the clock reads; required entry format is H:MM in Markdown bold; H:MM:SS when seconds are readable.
**7:31:42**
